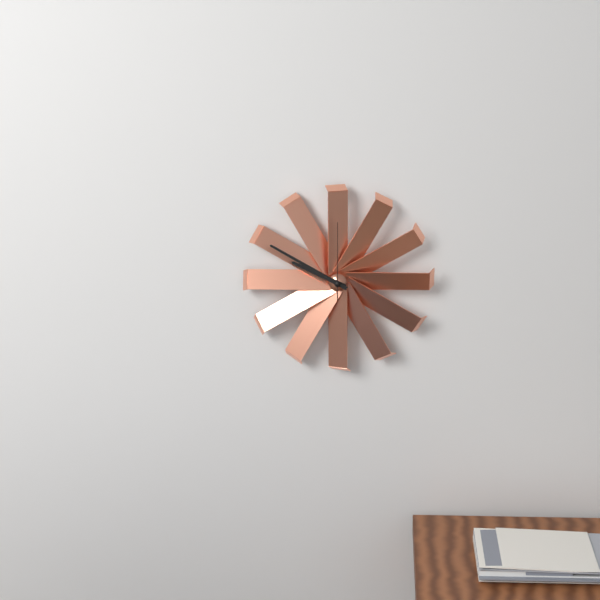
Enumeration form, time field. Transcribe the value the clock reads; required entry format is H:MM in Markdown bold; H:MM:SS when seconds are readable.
**9:50:00**
